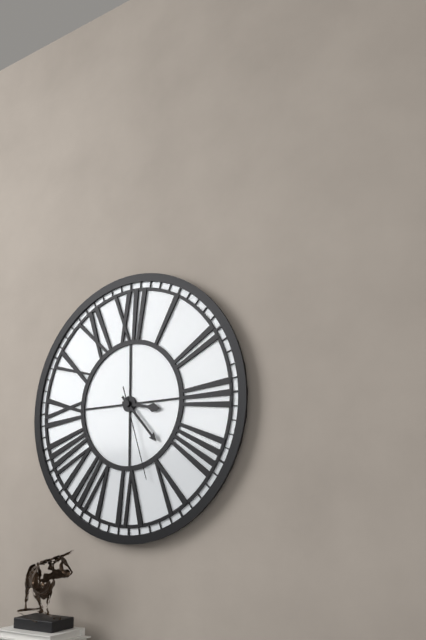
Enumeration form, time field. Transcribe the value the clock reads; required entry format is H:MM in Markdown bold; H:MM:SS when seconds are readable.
**3:23:27**
